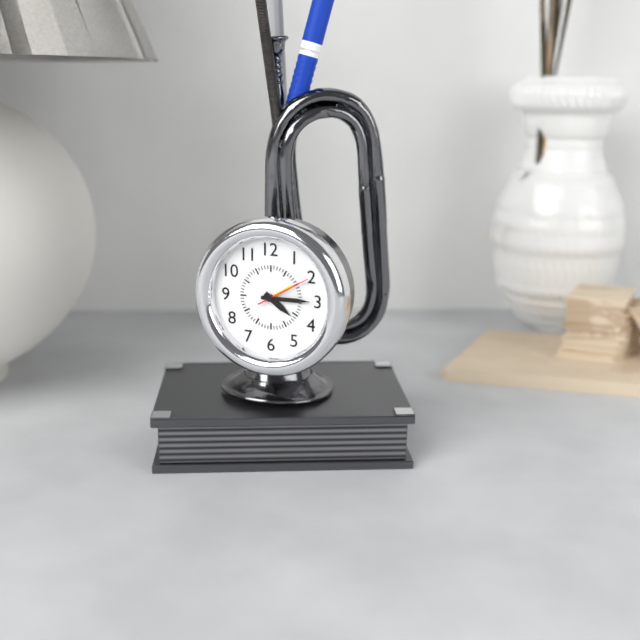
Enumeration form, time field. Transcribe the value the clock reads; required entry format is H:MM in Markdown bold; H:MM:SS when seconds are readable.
**4:15**
